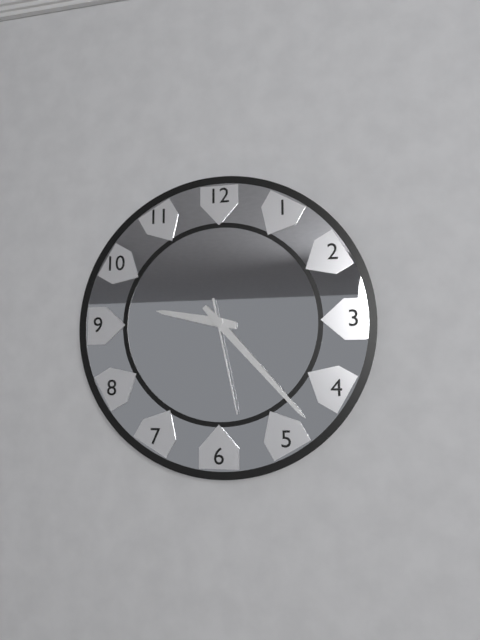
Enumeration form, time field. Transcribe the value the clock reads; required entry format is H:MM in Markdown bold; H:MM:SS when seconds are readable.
**9:23:28**
